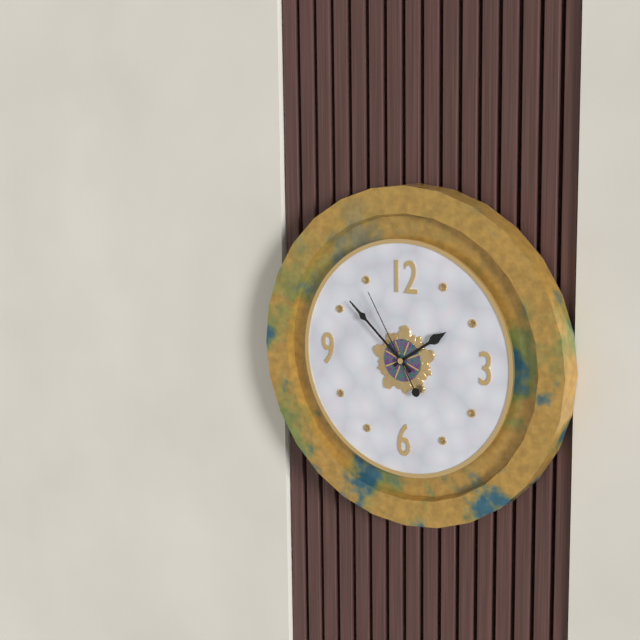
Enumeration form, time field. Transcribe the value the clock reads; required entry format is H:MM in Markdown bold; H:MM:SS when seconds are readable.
**1:52:55**
